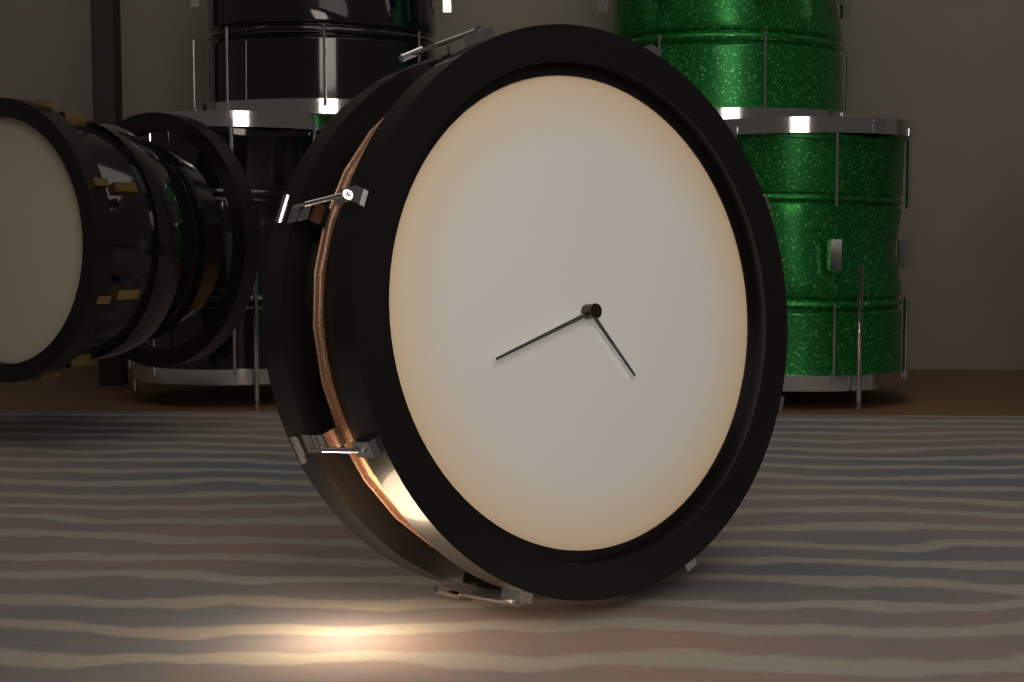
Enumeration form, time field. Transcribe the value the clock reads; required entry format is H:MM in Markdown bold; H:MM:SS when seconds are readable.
**4:42**
